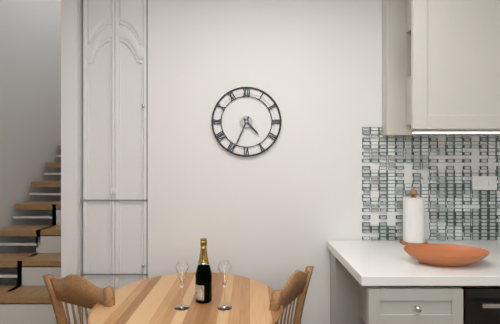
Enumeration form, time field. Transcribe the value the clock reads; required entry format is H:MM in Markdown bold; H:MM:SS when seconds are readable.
**4:34**
